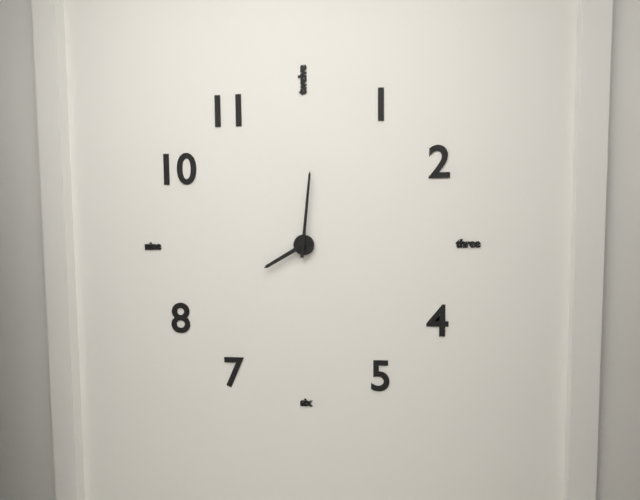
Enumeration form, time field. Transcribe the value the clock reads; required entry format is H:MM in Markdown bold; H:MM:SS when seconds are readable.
**8:01**
